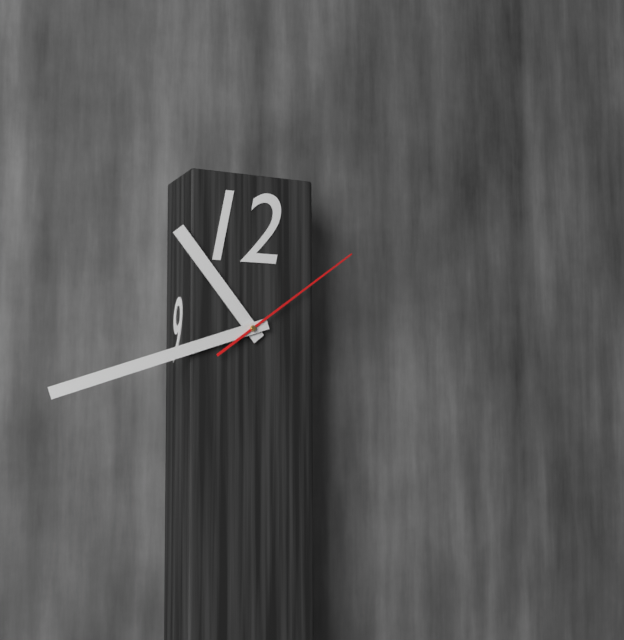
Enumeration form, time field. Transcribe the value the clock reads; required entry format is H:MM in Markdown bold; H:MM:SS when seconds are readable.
**10:42:09**
